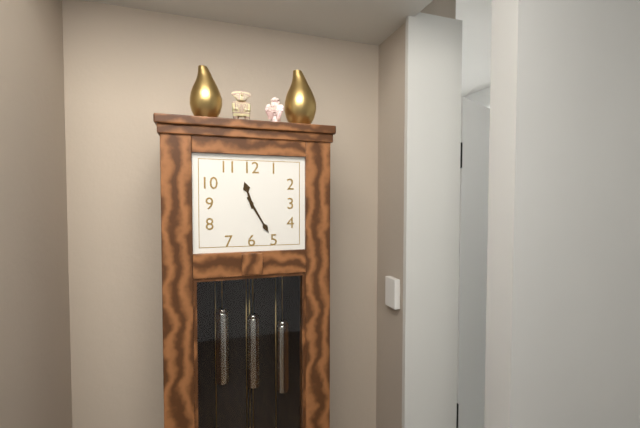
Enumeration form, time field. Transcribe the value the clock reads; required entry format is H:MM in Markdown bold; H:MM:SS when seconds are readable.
**11:25**
